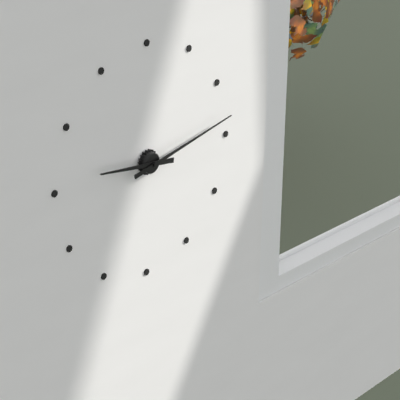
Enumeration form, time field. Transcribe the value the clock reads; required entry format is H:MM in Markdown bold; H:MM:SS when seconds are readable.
**9:13**
